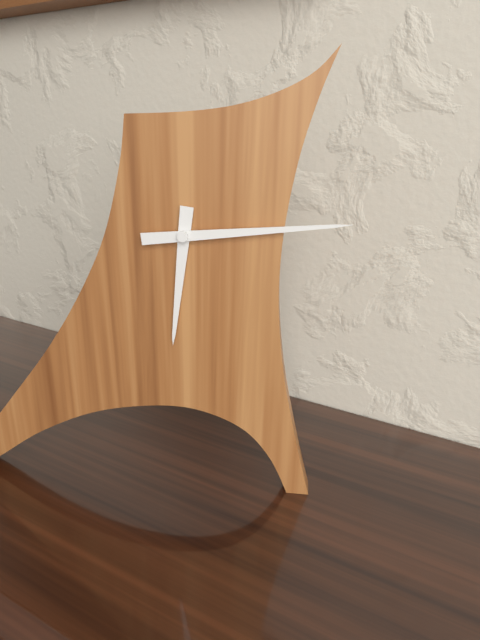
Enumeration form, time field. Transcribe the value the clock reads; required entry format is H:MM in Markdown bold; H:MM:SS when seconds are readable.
**6:14**
